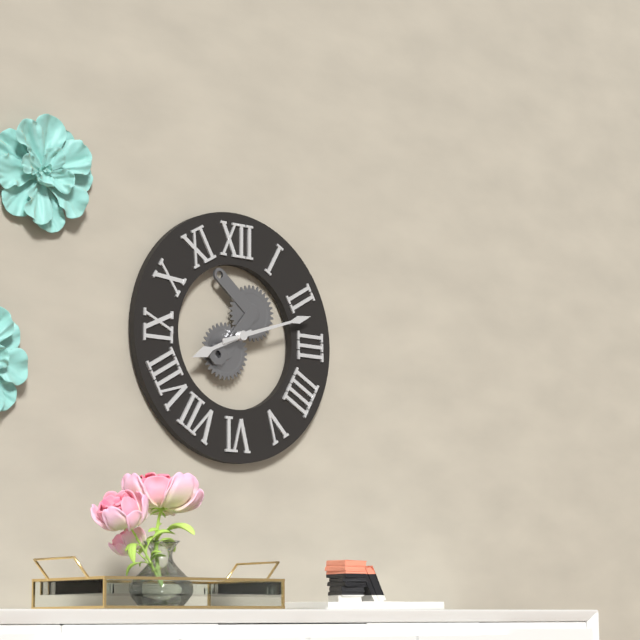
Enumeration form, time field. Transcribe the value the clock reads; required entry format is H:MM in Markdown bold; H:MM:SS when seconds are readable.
**8:12**
